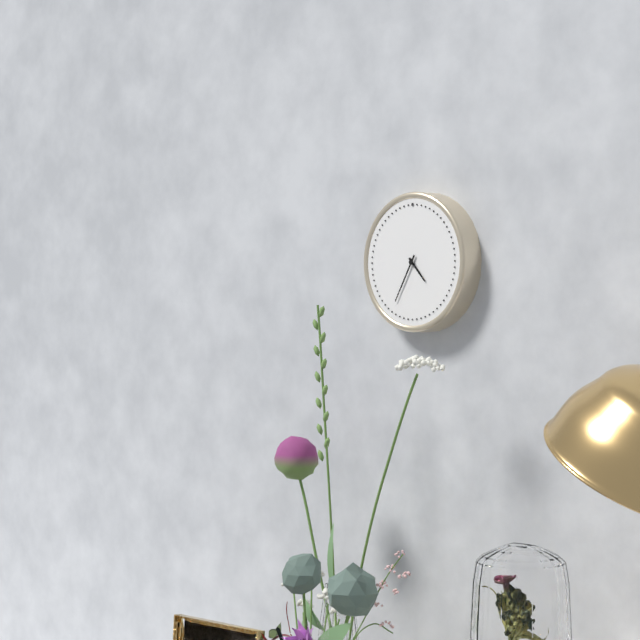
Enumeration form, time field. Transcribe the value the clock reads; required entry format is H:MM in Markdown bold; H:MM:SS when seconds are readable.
**4:35**
